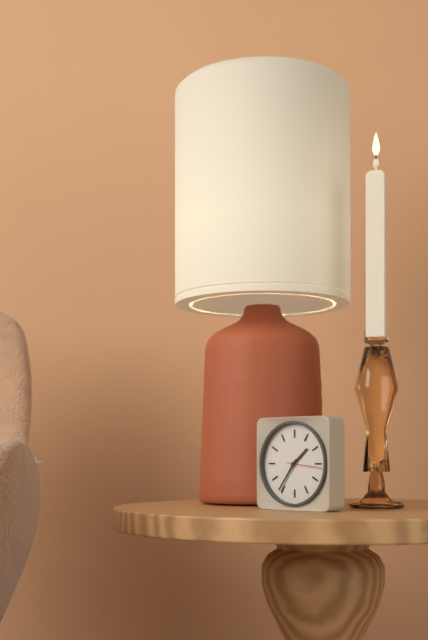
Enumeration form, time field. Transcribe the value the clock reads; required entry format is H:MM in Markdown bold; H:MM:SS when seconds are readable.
**1:36**
